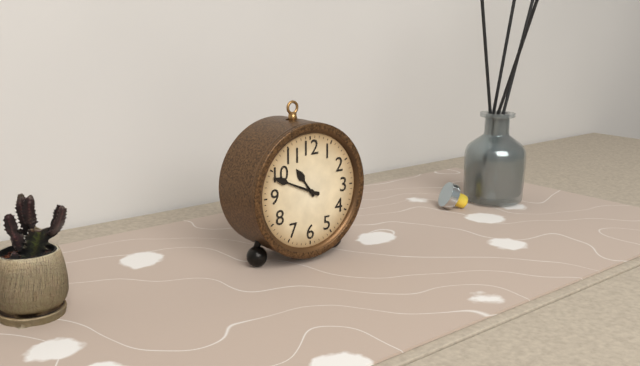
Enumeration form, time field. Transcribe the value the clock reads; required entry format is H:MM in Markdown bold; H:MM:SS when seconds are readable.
**10:49**
